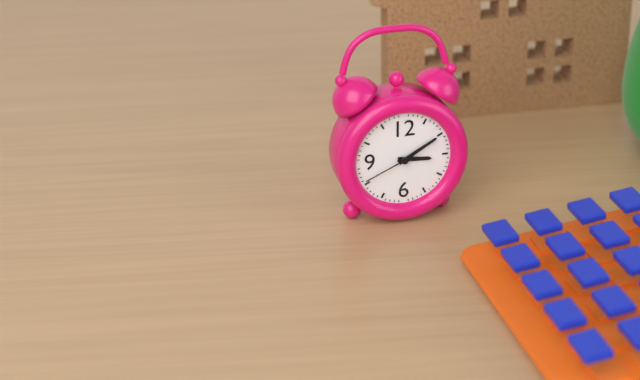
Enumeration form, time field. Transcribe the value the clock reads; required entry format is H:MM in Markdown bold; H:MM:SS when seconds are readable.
**3:10:41**
